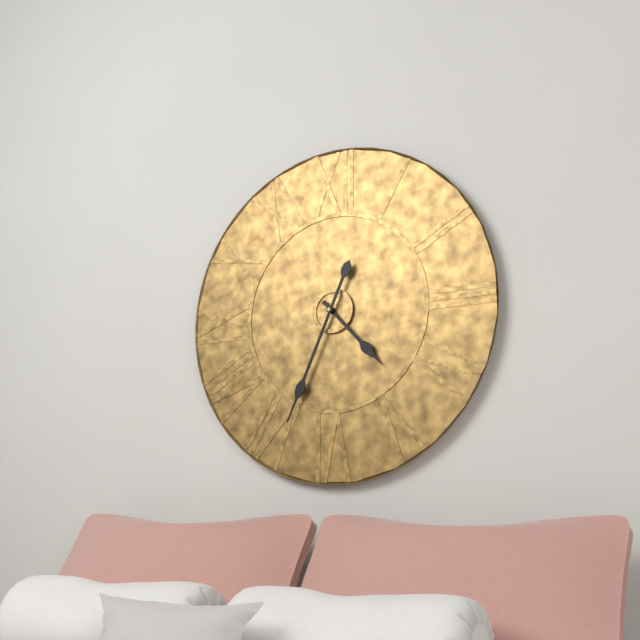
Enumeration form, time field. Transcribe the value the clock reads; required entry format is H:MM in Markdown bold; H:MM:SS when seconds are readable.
**4:34**
